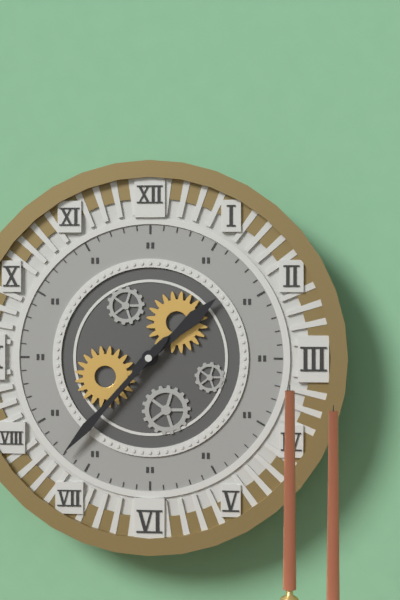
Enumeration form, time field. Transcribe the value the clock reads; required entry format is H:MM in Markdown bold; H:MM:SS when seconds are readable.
**1:37**
